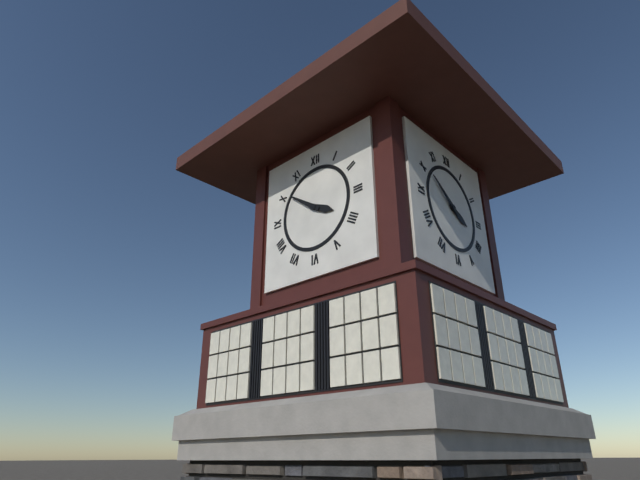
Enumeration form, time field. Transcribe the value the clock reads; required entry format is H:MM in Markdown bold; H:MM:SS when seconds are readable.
**3:51**
